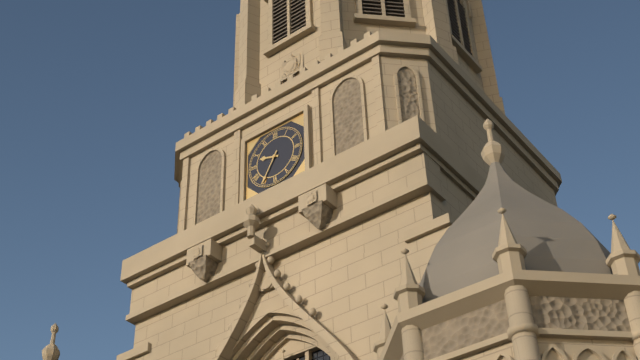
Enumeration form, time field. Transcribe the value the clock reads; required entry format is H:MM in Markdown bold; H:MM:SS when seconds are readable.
**9:35**
